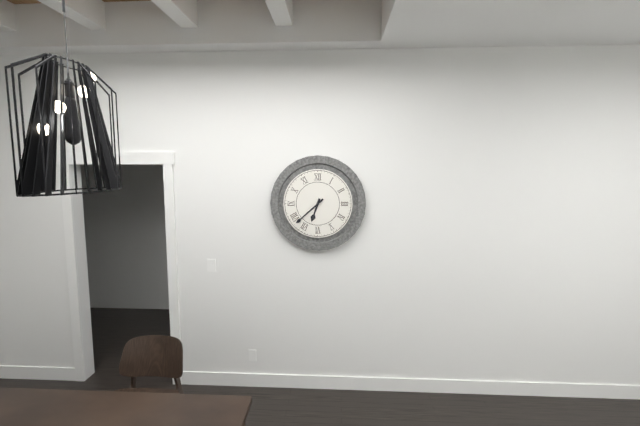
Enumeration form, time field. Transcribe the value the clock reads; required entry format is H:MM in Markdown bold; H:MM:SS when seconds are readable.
**6:38**
